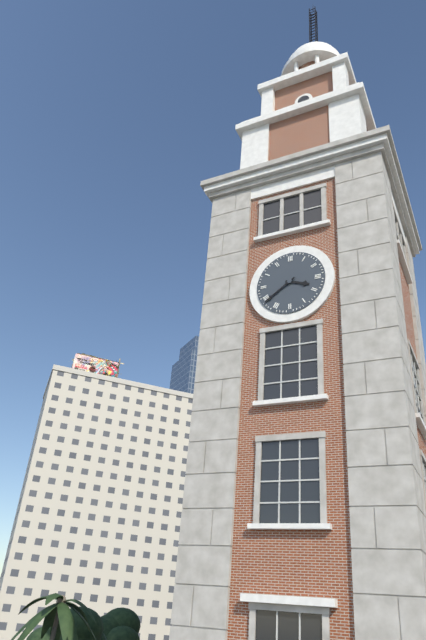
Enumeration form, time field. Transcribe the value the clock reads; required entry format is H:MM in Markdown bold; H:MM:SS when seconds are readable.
**3:39**
